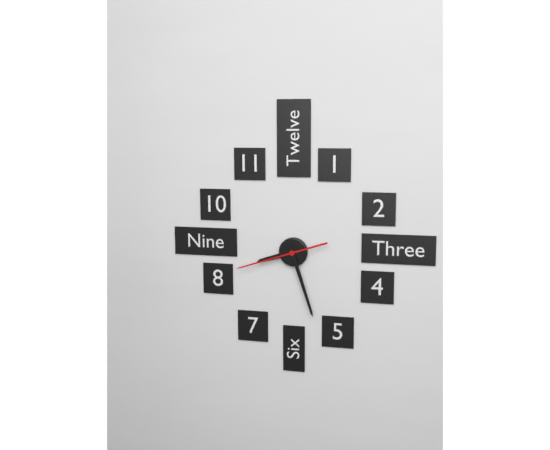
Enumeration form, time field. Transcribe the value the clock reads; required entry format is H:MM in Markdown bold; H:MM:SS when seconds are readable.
**8:27:42**
